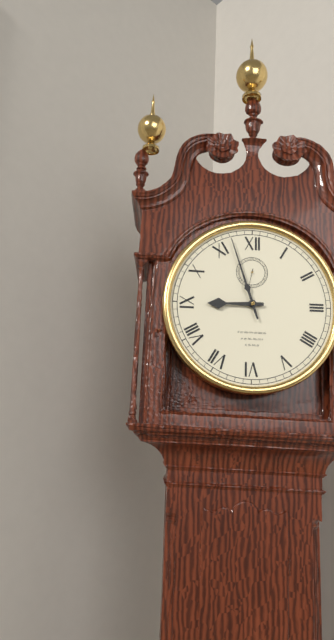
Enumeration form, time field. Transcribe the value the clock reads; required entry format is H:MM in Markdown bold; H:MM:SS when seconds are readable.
**8:57**
